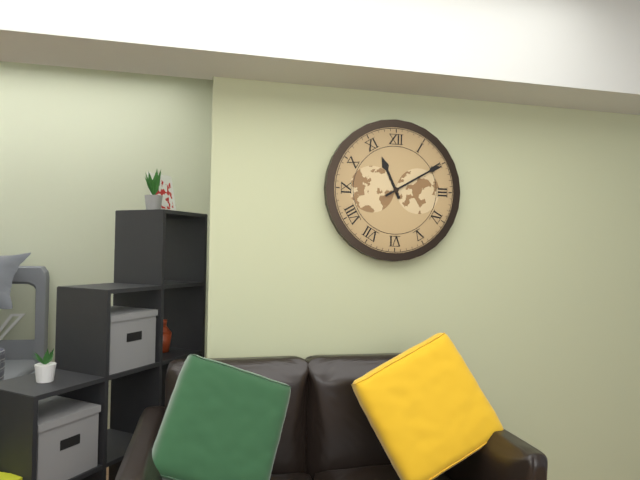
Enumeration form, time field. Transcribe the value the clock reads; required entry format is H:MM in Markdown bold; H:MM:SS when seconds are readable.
**11:10**
